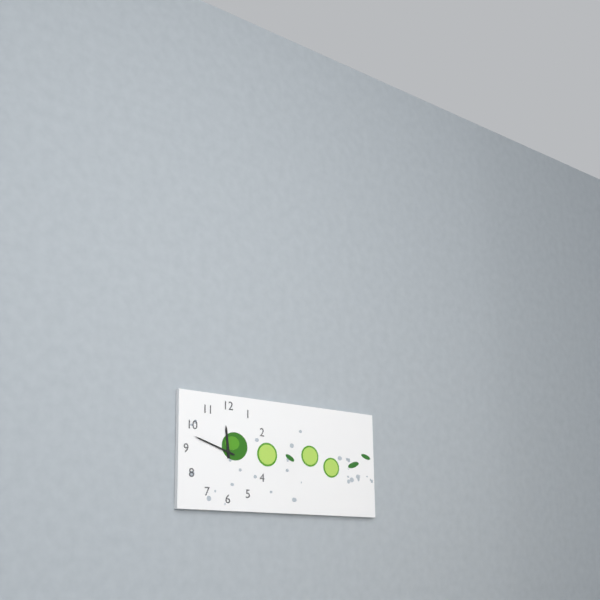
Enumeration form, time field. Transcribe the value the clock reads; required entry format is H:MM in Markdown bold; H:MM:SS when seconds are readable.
**11:48**
